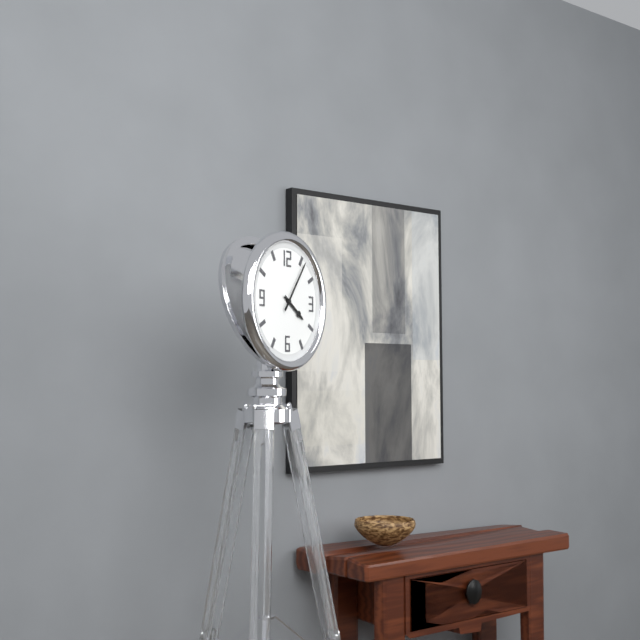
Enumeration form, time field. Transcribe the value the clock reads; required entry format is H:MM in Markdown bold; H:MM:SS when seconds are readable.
**4:06**
